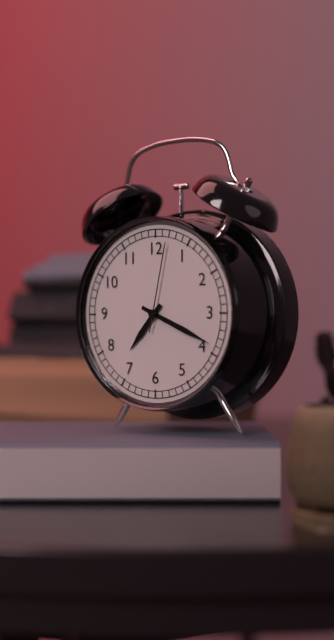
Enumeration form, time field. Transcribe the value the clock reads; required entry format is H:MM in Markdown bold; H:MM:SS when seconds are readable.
**7:19:02**
